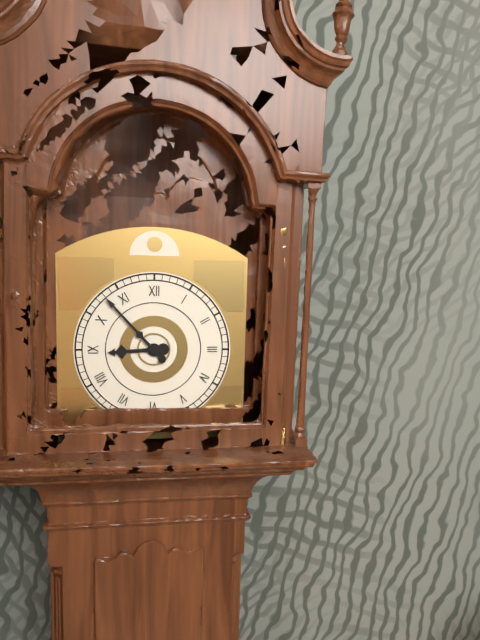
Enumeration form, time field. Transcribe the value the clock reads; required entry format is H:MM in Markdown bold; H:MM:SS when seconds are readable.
**8:53**
